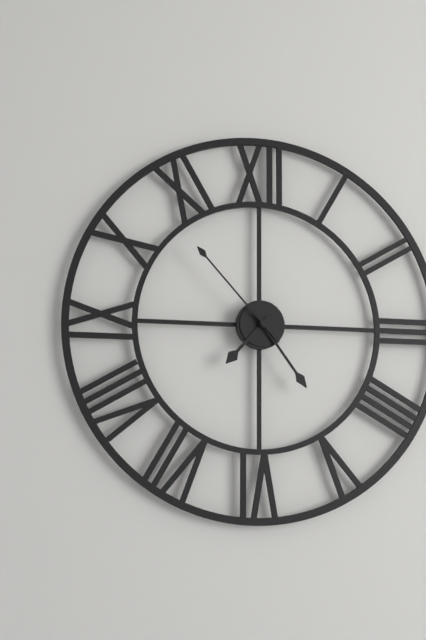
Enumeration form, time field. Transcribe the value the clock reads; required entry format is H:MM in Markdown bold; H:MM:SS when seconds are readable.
**7:24:53**
